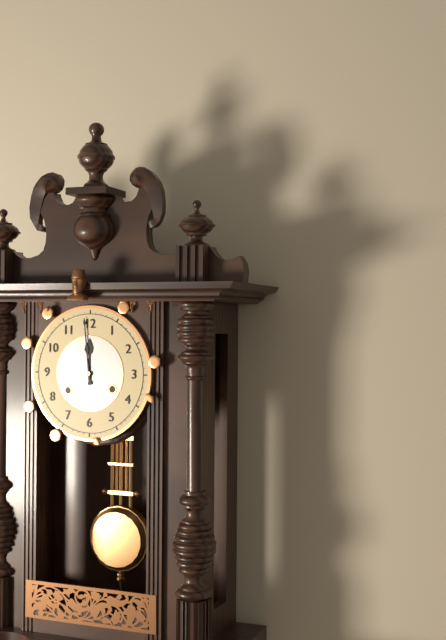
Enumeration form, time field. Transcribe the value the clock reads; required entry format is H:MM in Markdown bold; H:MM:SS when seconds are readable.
**11:59**
